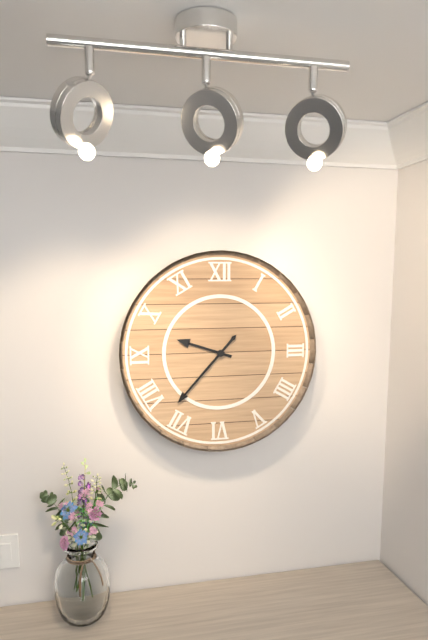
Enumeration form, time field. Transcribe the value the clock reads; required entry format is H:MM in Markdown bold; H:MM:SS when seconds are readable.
**9:37**
